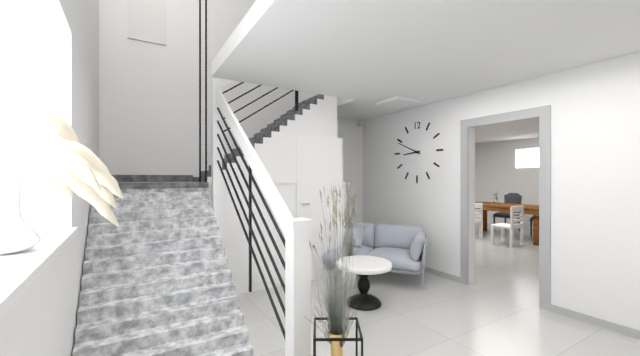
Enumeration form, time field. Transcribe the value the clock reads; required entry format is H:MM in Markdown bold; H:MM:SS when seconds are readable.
**8:49**
